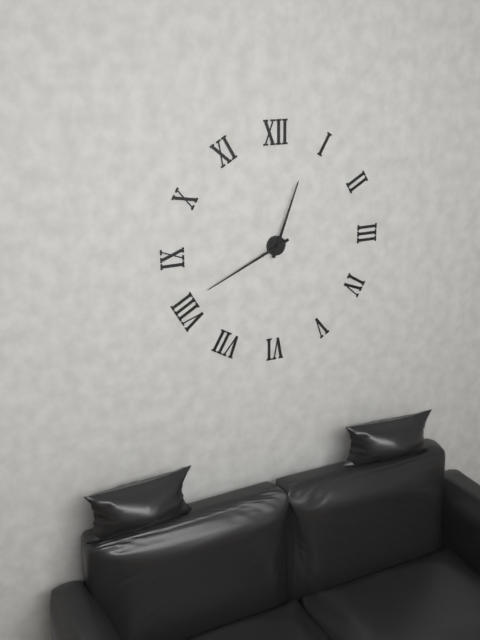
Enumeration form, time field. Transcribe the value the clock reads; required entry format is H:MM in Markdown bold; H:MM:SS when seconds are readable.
**12:41**
